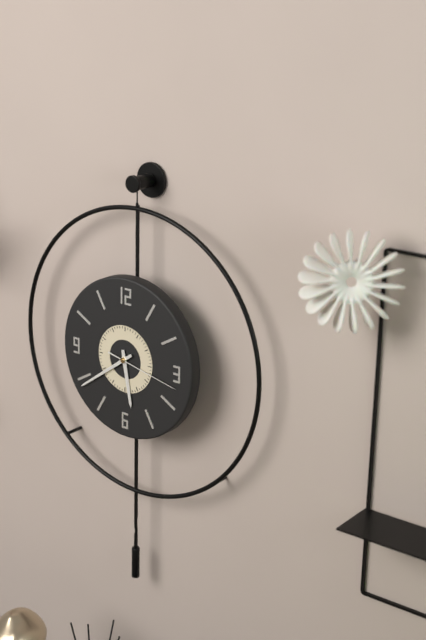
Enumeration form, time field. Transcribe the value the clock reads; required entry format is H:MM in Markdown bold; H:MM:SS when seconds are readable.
**5:39:17**
